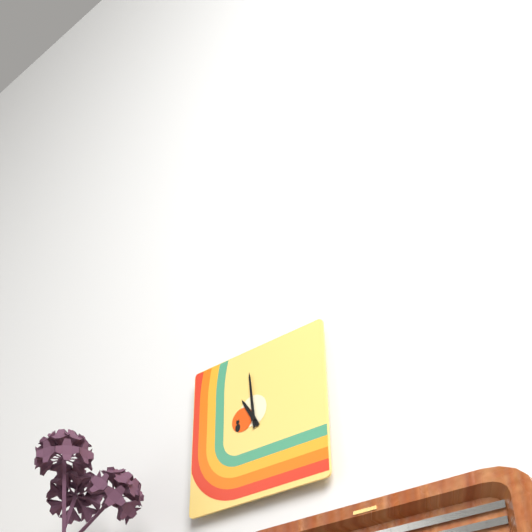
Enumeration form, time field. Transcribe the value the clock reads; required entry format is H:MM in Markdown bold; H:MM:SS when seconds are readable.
**10:59**
